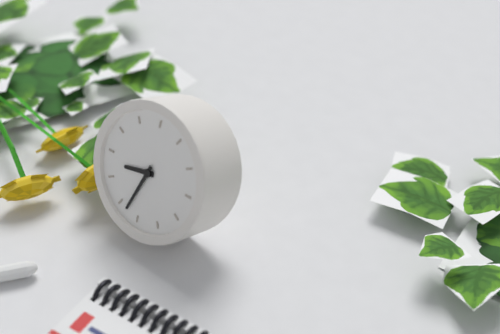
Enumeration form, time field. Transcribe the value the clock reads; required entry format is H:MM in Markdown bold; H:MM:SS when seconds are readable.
**8:33**
